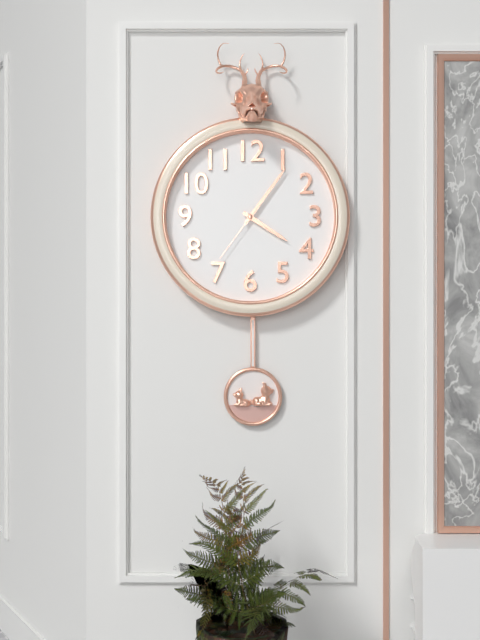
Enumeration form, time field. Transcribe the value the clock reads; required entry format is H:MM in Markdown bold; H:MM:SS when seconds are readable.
**4:06:36**
